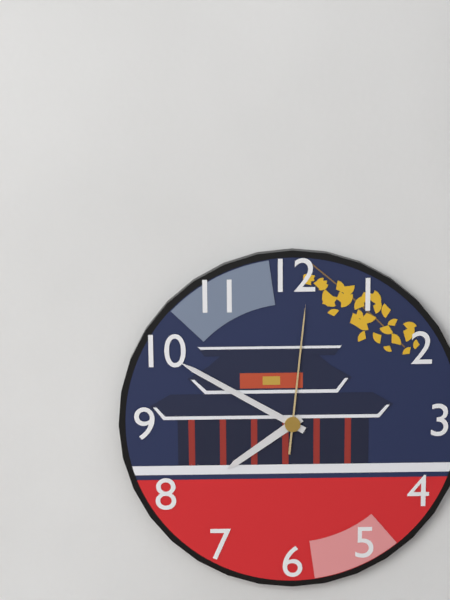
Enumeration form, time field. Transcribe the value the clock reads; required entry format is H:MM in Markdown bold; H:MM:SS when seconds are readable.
**7:50:01**
